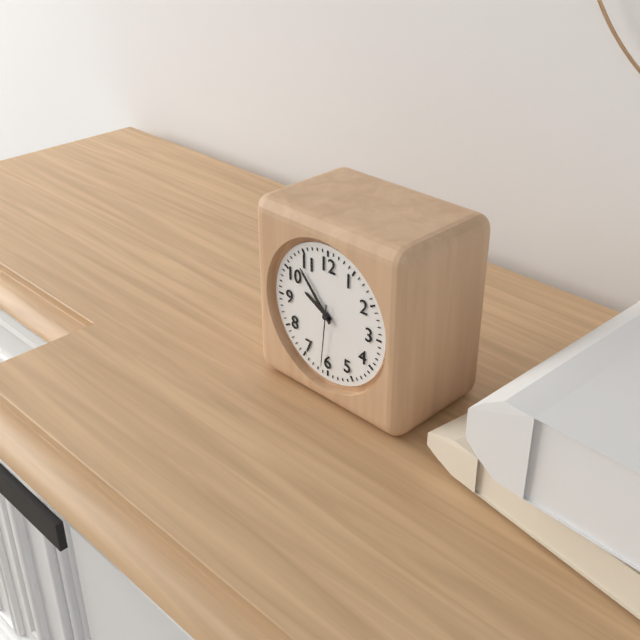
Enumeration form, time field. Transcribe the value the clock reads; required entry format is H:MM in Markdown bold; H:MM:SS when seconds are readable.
**9:53:31**
